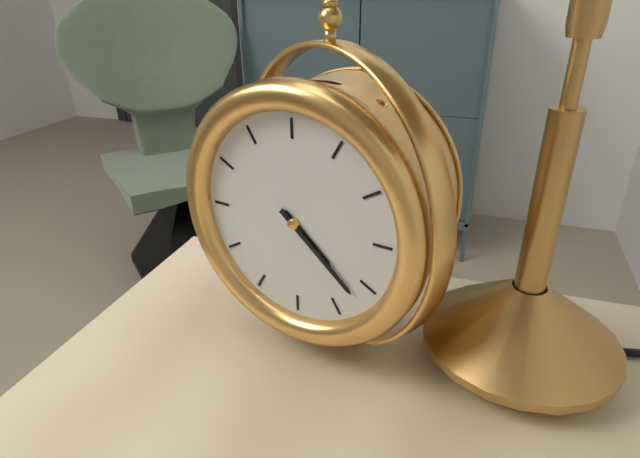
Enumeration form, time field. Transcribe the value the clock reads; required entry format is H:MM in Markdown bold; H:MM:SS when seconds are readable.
**4:22**
